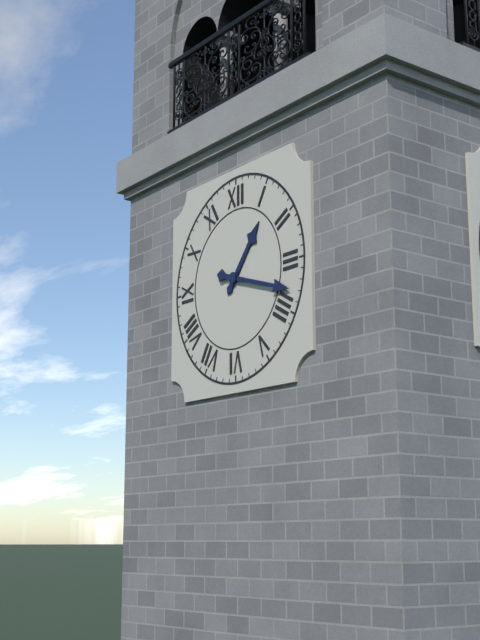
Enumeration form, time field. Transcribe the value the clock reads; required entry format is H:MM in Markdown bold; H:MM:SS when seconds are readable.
**1:18**
